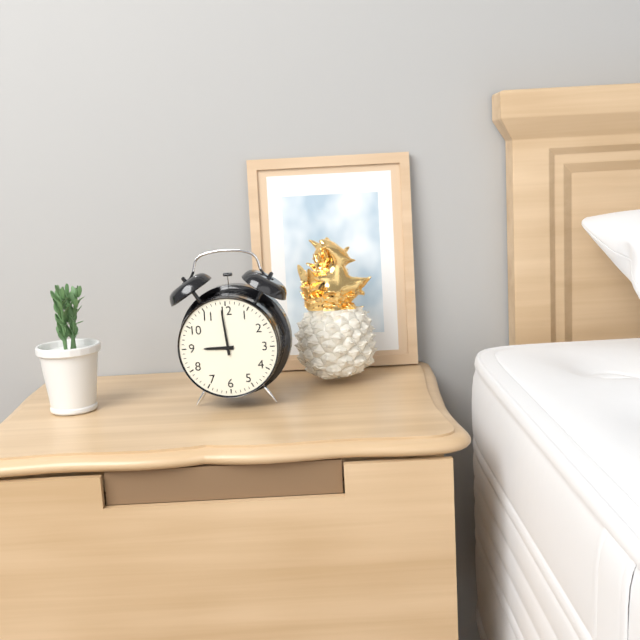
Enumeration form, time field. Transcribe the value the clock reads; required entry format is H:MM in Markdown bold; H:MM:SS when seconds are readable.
**8:59**
